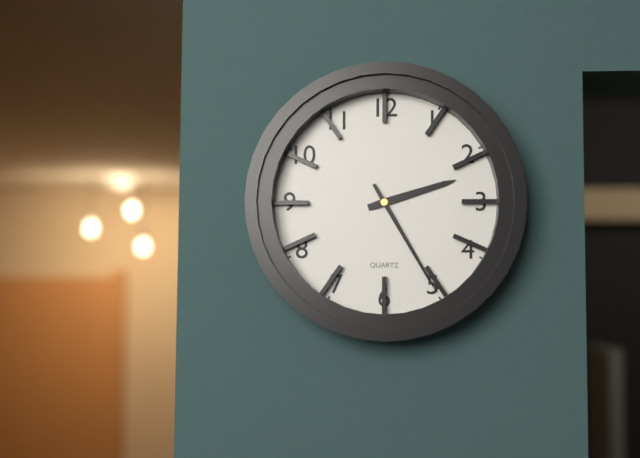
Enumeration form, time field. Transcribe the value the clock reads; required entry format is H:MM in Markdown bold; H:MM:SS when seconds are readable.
**2:25**
